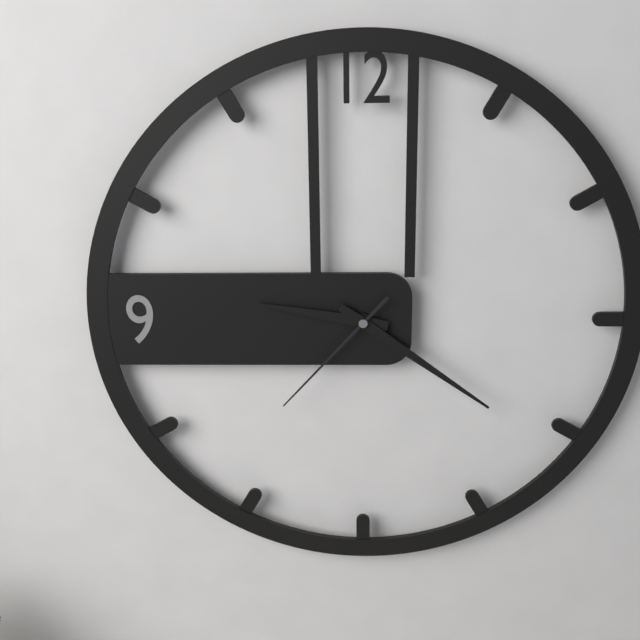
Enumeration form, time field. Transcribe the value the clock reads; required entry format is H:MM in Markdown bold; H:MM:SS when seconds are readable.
**9:21:37**
